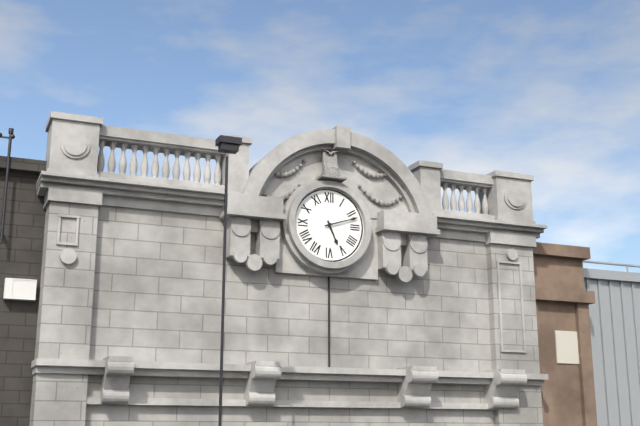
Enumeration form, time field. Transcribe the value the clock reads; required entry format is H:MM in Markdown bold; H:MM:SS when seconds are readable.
**5:12**
